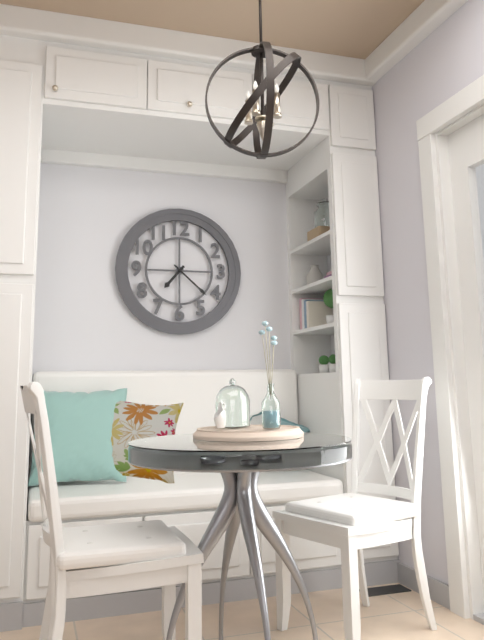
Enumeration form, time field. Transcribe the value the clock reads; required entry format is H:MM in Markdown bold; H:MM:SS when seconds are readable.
**7:22**
